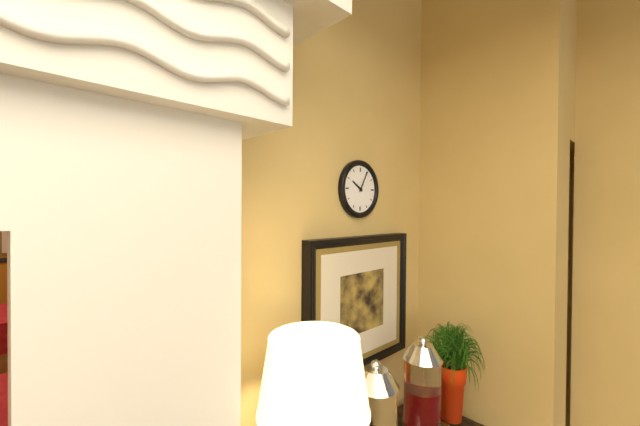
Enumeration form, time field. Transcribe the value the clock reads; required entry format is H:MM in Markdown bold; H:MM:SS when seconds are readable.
**10:05**
